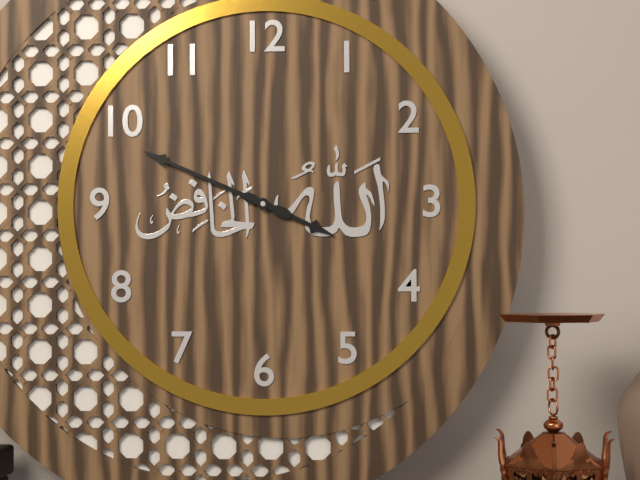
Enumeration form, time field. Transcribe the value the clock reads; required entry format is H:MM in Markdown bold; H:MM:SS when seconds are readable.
**3:49**
